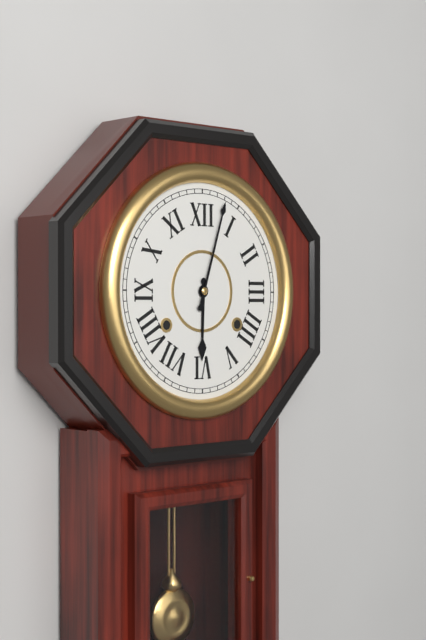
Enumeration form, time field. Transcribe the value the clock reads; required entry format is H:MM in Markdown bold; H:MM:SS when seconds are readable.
**6:03**
